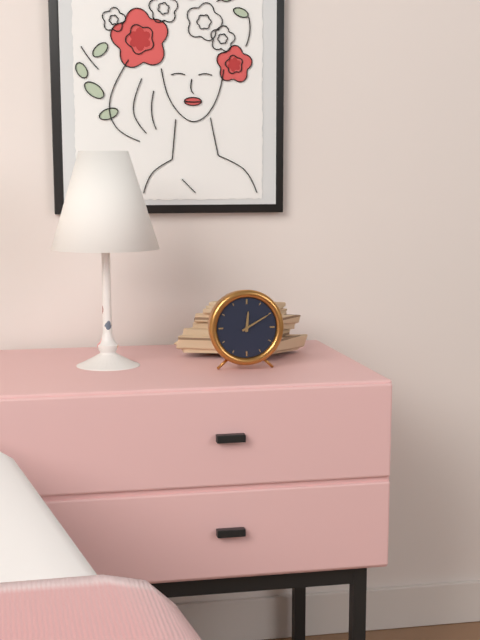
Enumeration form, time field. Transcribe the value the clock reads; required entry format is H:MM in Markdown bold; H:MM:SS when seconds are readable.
**12:10**
